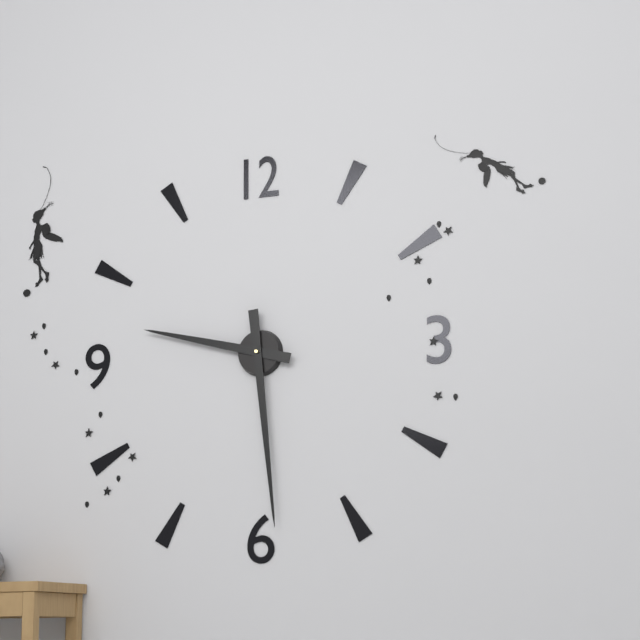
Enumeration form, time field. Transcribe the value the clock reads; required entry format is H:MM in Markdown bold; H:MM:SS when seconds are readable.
**9:29**
